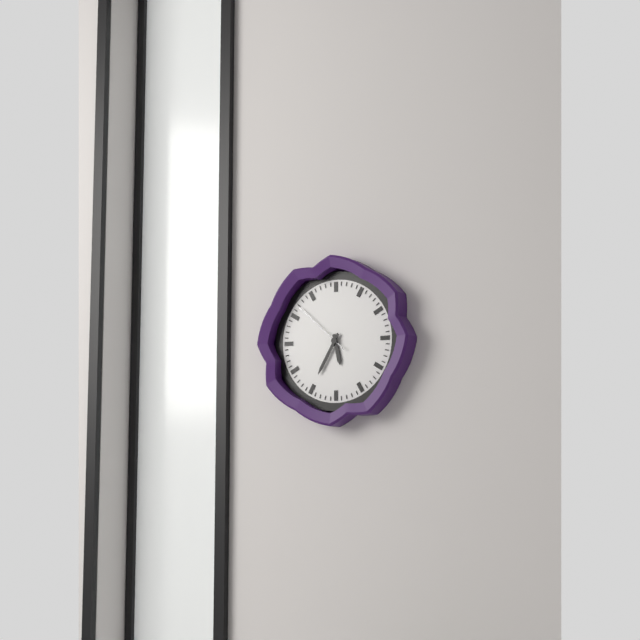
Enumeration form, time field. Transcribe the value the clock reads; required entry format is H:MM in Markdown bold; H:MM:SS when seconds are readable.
**5:35:52**
